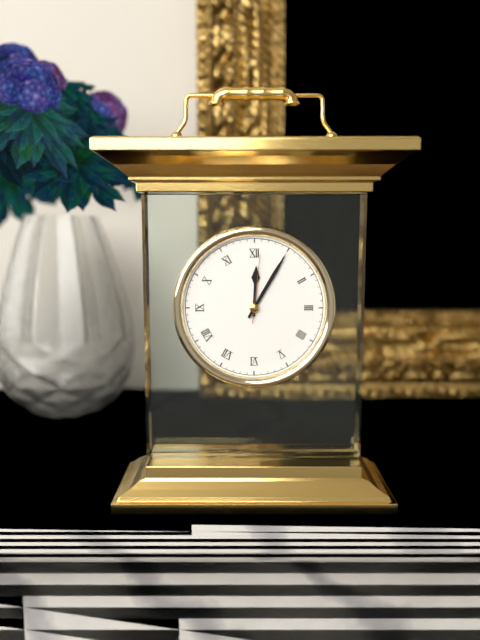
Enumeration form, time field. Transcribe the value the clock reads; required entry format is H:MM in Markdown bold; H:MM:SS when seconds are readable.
**12:05:01**
